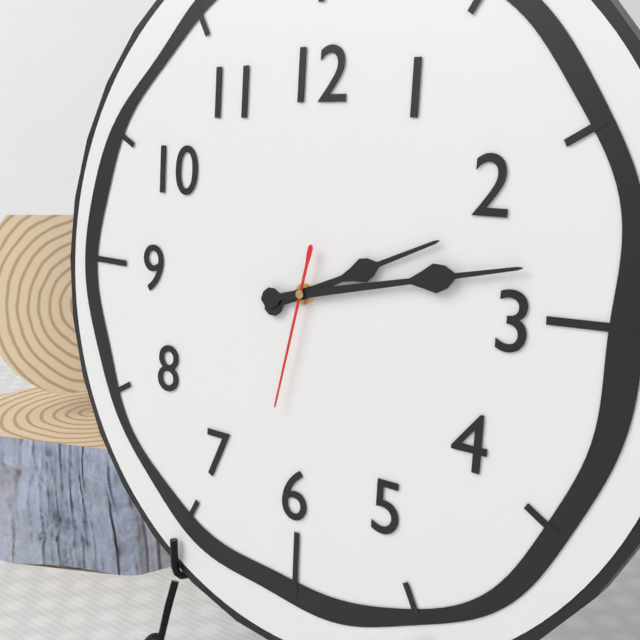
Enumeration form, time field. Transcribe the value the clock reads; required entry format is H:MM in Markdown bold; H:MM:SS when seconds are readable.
**2:13:32**
